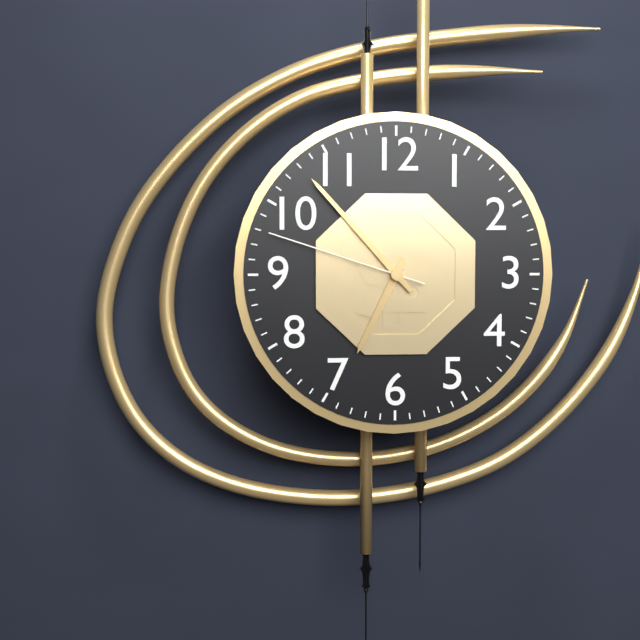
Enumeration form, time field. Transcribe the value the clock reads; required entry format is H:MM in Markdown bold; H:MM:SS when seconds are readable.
**6:53:48**
